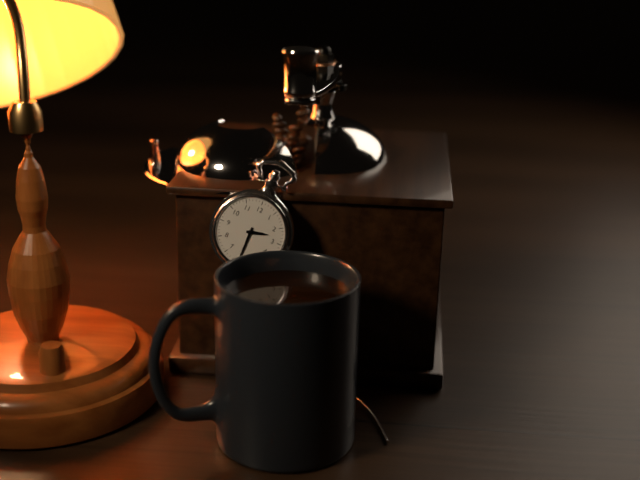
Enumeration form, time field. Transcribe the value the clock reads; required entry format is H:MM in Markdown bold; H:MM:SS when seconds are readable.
**2:30**
